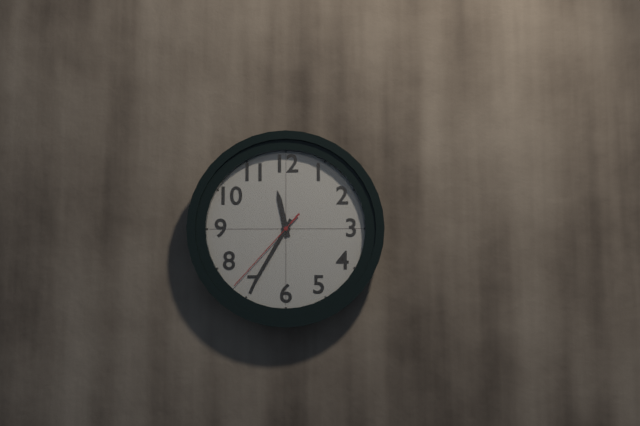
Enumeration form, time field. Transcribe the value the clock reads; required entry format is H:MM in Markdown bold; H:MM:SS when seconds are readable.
**11:35:37**
